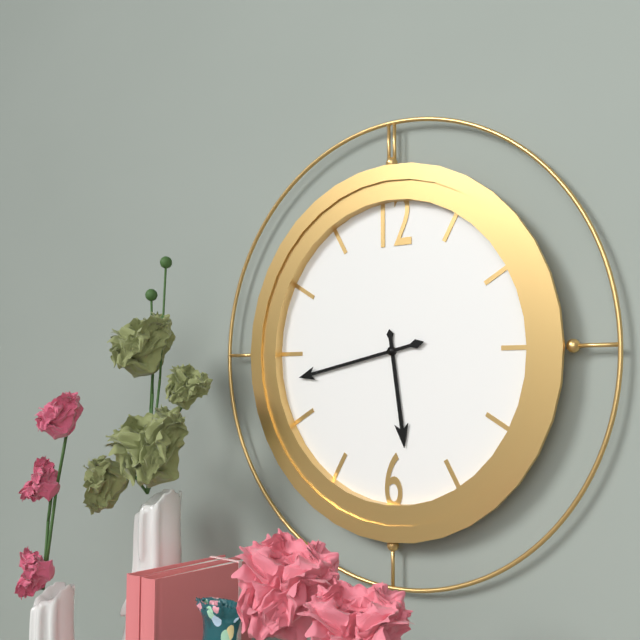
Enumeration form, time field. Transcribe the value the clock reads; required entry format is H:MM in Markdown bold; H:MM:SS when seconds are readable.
**5:43**
